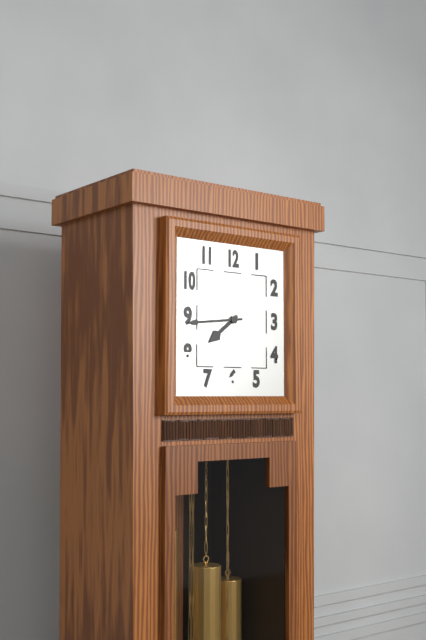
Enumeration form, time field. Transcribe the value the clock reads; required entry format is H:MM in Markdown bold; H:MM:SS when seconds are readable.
**7:44**
